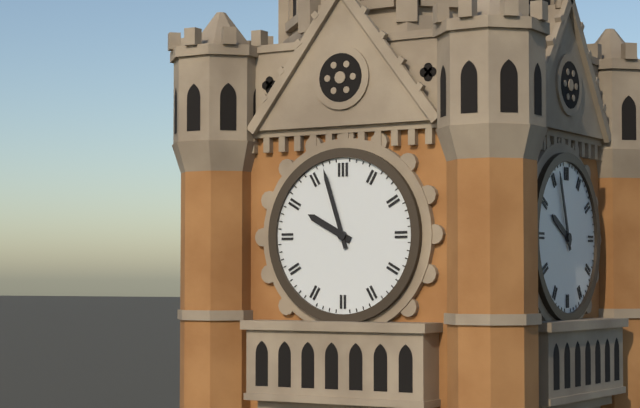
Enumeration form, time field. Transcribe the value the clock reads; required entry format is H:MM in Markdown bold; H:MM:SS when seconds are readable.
**9:57**
